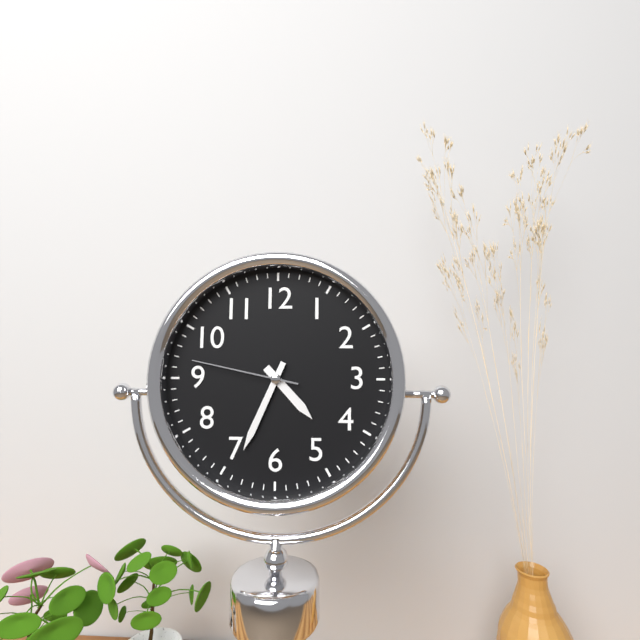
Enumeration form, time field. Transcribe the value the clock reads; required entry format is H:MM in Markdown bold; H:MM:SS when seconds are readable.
**4:34:47**
